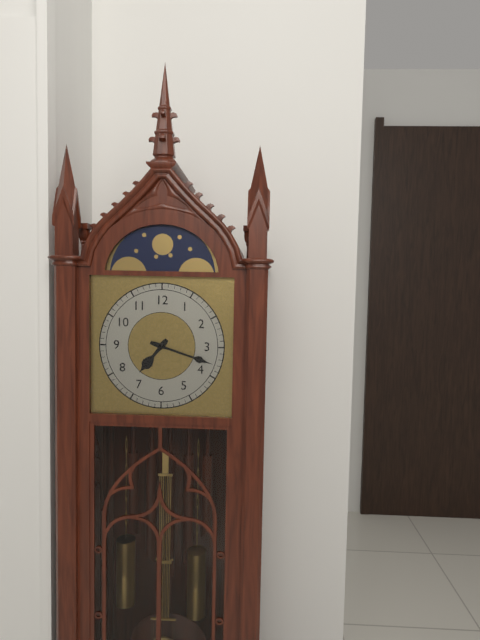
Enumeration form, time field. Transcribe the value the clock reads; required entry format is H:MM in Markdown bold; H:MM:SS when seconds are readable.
**7:18**
